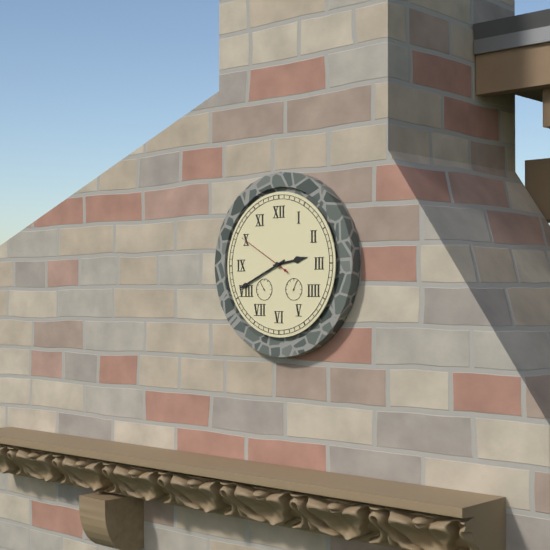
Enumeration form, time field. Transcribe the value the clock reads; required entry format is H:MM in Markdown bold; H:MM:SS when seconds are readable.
**2:41:50**
